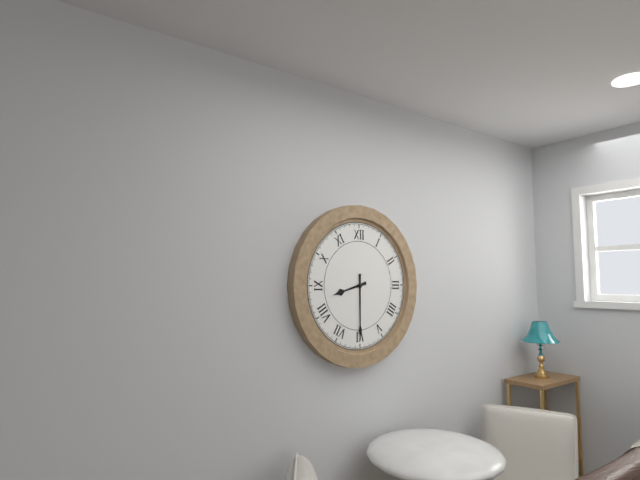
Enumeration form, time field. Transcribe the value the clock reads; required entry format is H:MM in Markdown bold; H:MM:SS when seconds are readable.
**8:30**
